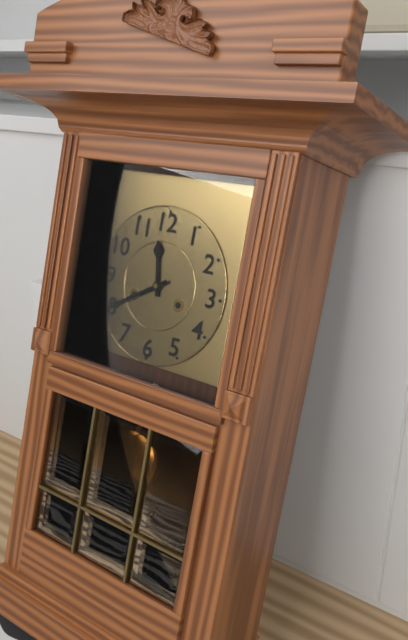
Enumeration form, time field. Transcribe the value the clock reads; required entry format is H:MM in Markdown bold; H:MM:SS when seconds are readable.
**11:40**
